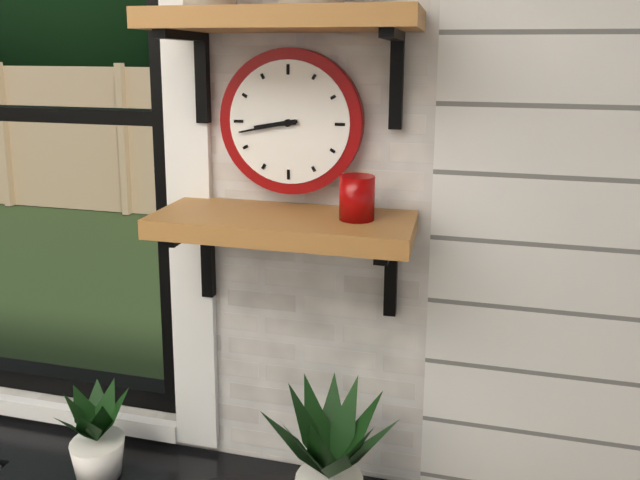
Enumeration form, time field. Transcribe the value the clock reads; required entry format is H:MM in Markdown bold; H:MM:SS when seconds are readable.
**8:43**
